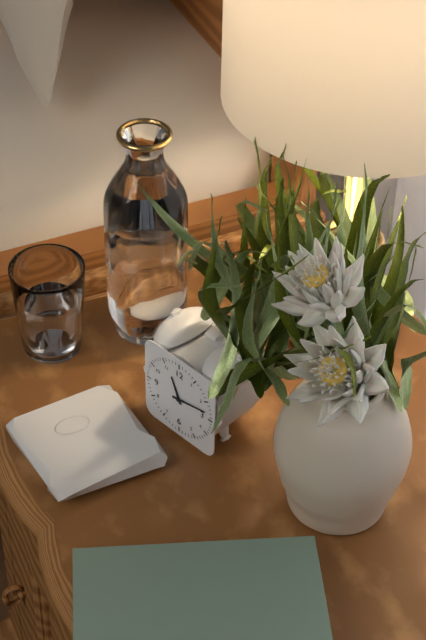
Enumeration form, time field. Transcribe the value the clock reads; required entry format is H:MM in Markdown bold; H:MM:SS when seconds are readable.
**11:13**
